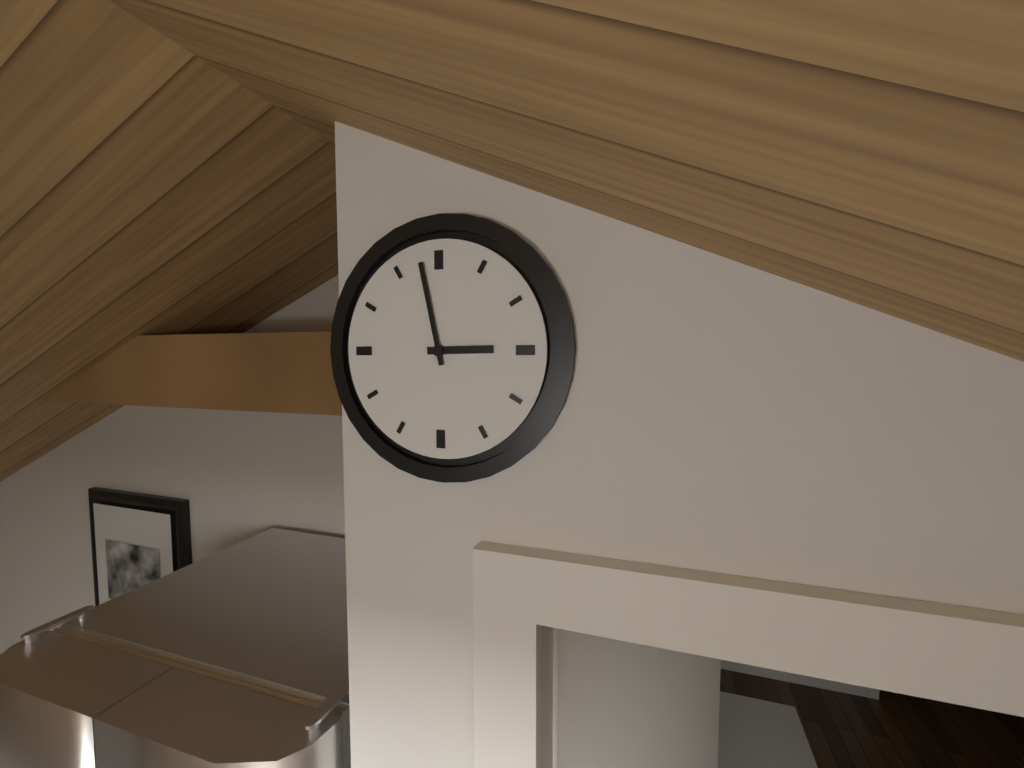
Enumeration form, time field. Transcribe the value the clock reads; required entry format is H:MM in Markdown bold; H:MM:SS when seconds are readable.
**2:58**
